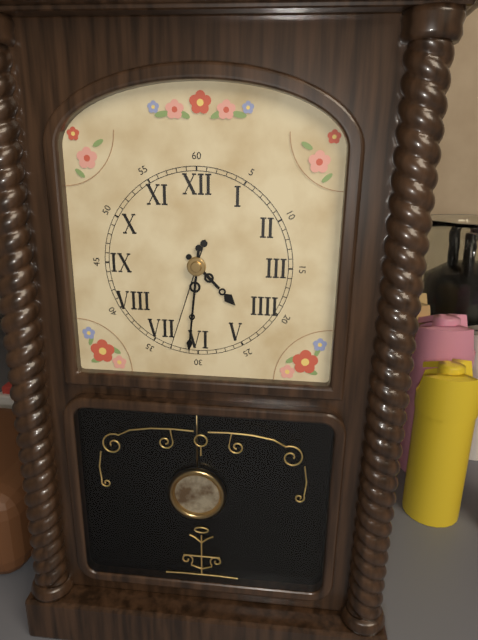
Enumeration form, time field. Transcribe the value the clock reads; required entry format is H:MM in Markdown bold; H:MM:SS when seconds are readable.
**4:31:33**
